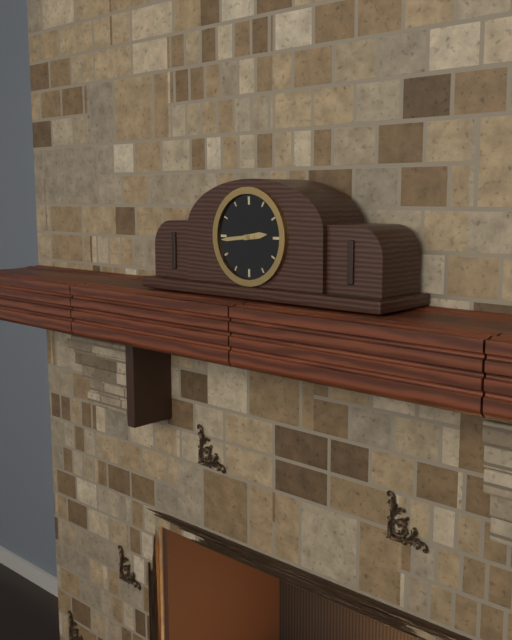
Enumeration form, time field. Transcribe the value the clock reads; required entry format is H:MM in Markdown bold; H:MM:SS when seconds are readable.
**2:44**
